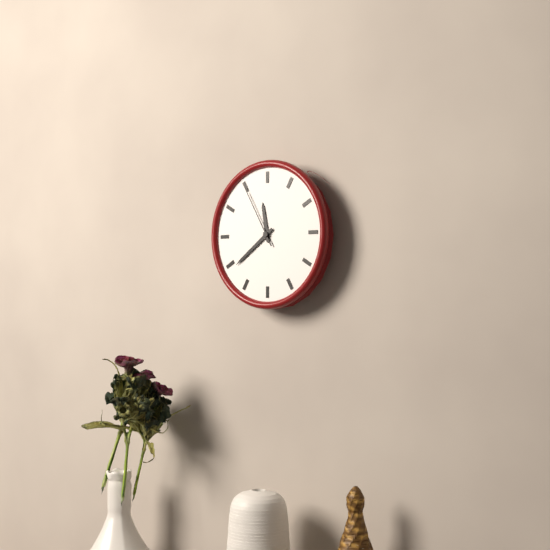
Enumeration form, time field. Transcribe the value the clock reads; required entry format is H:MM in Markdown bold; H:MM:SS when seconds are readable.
**11:39:55**
